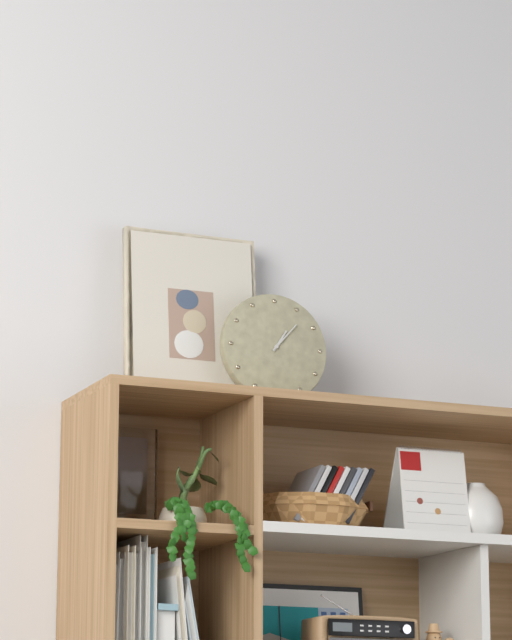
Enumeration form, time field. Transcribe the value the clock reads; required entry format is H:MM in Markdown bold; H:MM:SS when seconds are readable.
**1:07**
